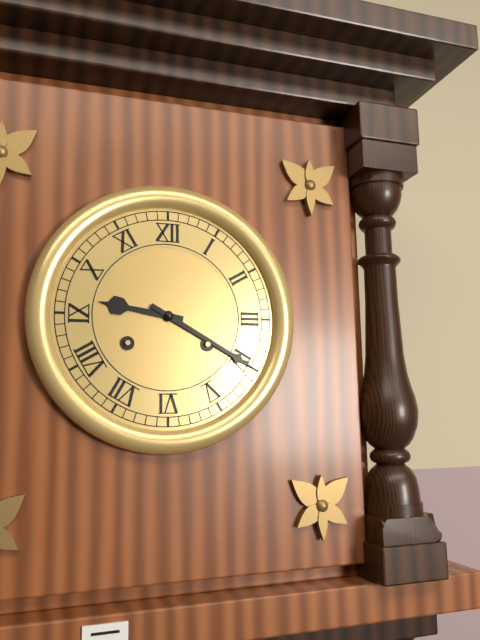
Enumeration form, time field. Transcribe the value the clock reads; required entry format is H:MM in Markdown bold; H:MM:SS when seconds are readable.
**9:20**
